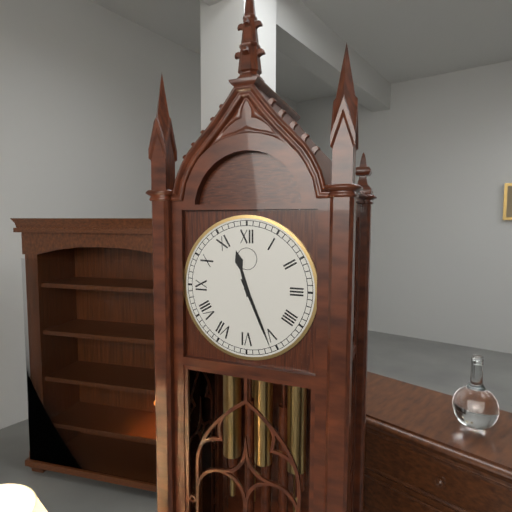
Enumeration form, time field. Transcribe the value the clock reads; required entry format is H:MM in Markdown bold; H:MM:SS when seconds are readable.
**11:26**
